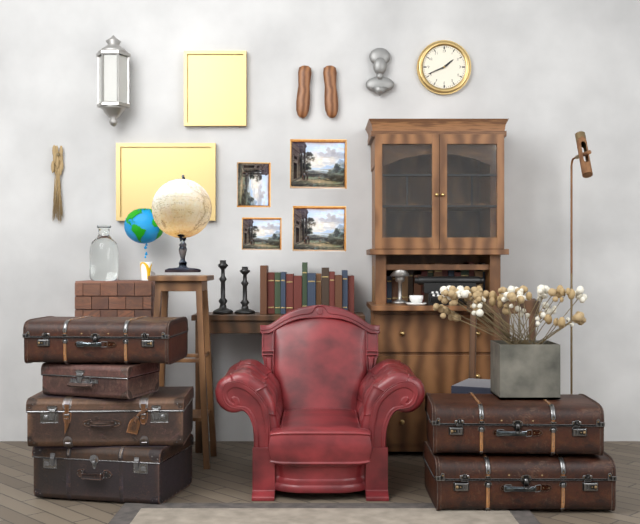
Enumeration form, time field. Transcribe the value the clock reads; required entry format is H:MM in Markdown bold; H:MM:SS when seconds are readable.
**1:41**
